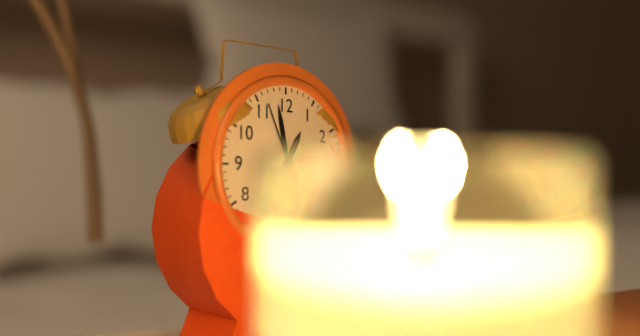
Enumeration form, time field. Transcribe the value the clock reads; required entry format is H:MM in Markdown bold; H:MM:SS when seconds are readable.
**12:58:56**
